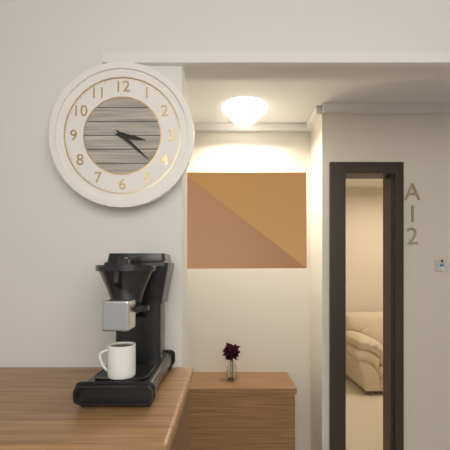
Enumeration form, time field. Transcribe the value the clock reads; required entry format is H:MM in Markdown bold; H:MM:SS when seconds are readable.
**3:22**
